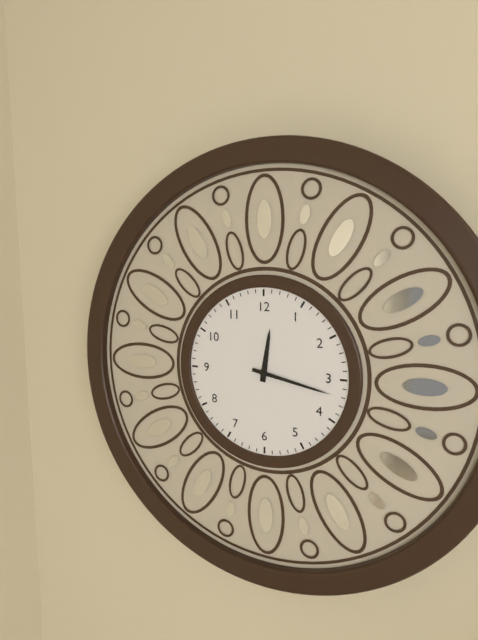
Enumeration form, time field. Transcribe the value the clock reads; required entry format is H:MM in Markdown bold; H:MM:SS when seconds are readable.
**12:17**
